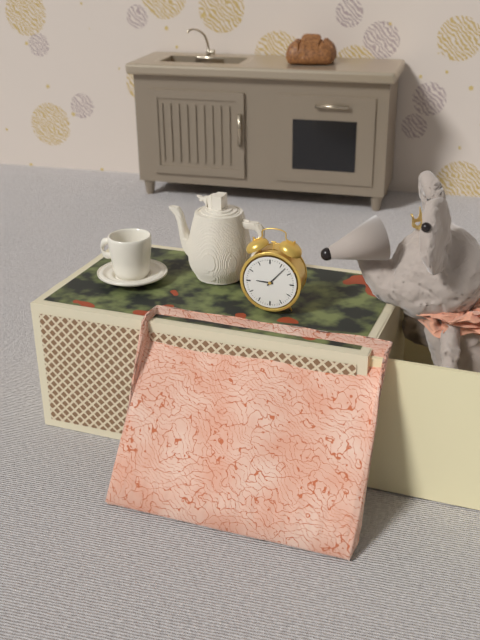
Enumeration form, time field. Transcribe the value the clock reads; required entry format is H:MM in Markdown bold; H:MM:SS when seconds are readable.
**9:07**
